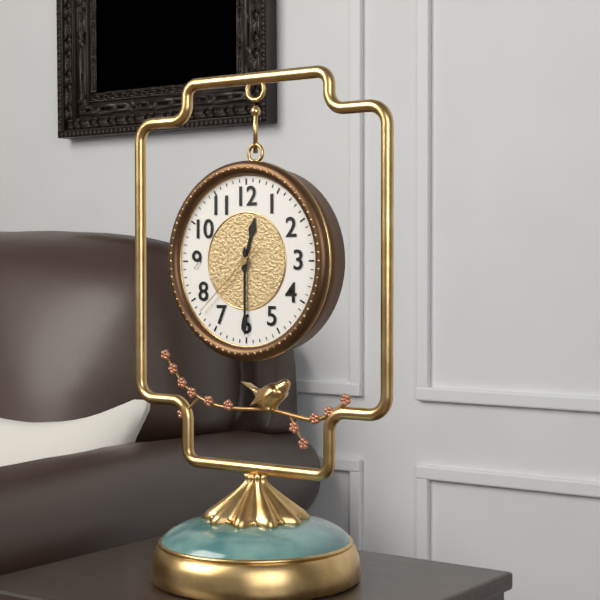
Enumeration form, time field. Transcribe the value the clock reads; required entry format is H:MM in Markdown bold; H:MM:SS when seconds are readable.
**12:30:38**
